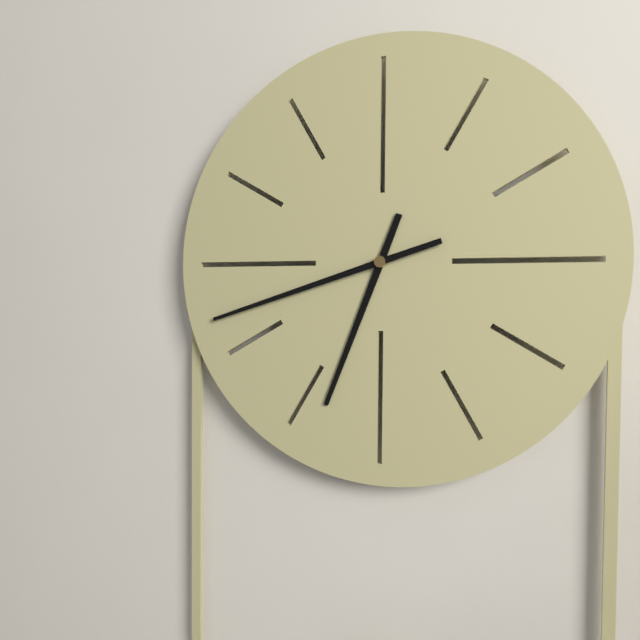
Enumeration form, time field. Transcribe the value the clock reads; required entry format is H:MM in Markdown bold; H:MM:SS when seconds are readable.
**6:42**
